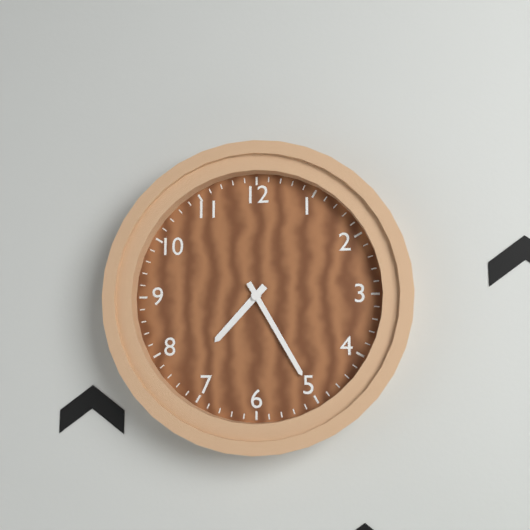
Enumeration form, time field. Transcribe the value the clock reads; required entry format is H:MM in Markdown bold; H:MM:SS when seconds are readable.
**7:25**
